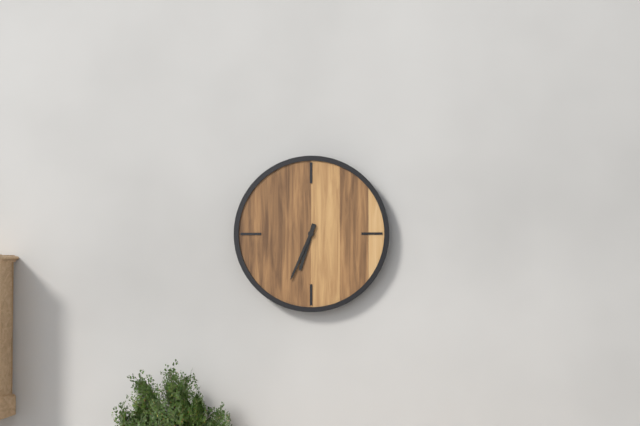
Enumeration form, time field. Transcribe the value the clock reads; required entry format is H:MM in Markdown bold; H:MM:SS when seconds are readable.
**6:34**
